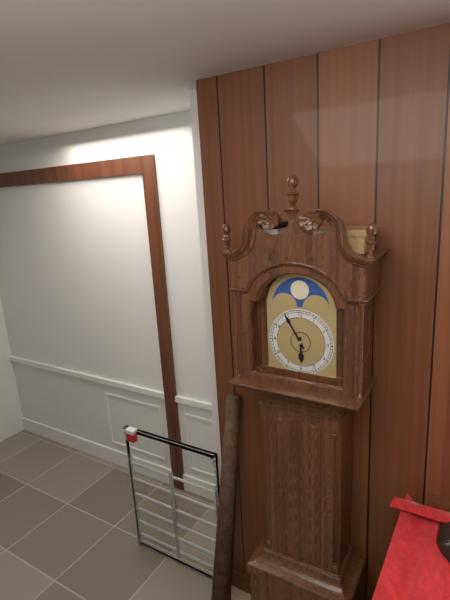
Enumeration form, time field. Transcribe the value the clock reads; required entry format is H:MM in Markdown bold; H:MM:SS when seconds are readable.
**5:55**
